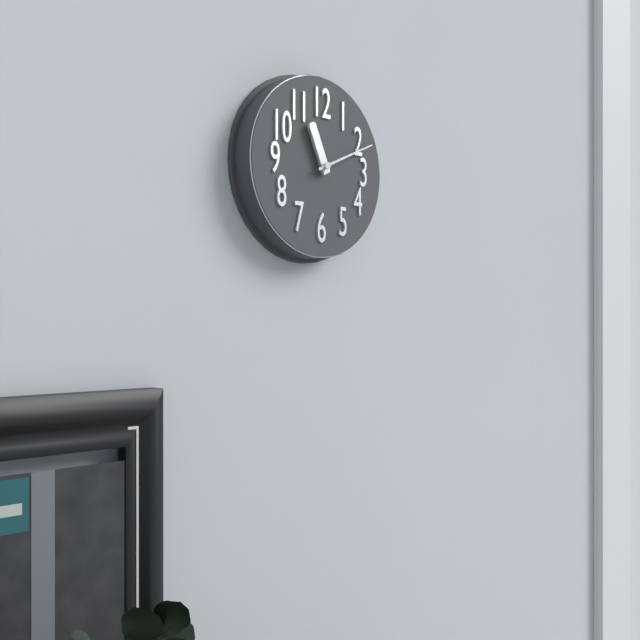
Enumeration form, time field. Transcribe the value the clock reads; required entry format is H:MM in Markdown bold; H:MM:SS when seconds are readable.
**11:11**
